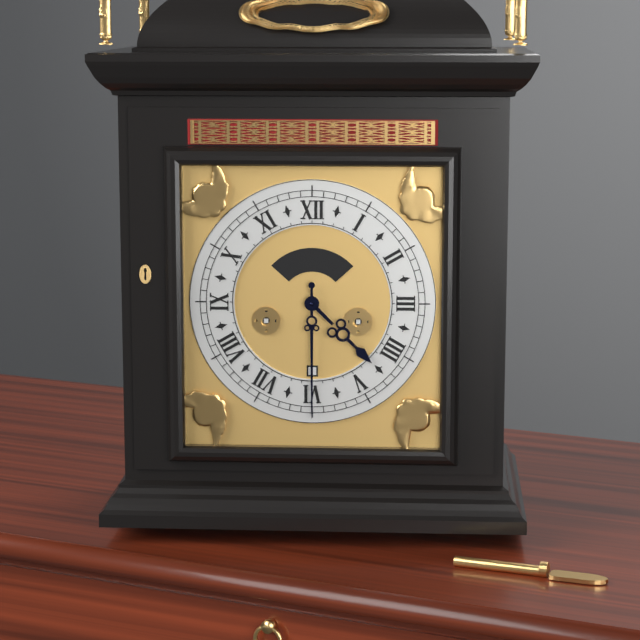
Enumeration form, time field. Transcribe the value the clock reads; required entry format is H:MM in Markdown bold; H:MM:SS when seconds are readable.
**4:30**
